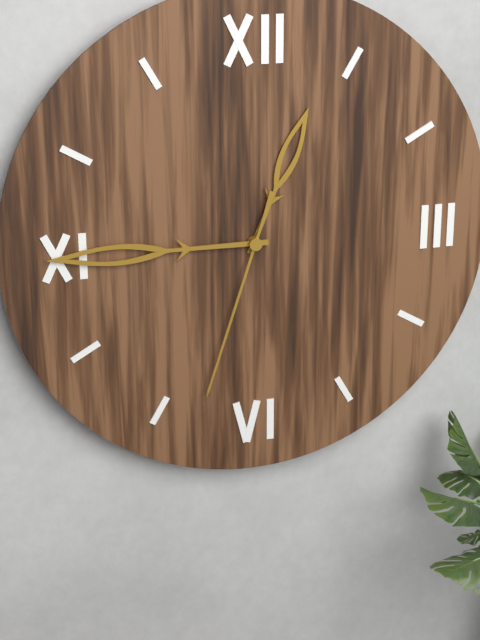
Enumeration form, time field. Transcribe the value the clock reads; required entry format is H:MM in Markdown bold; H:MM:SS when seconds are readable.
**12:45:33**
